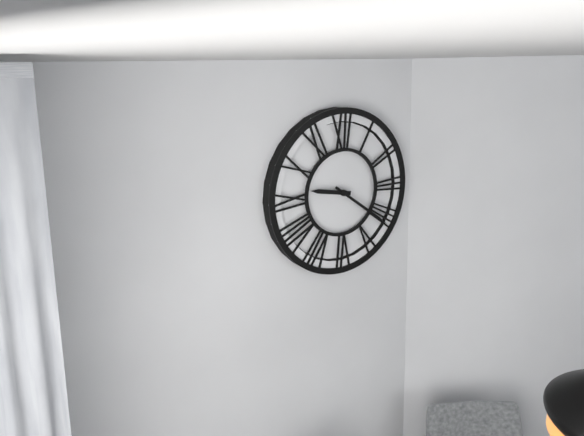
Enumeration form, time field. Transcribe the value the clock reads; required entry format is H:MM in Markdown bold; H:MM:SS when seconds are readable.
**9:21**
